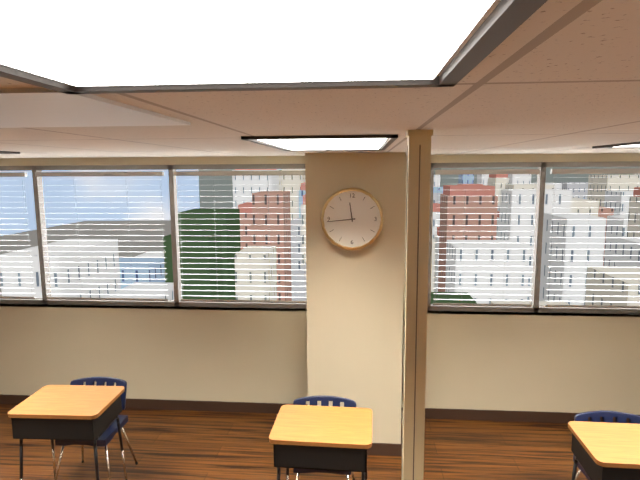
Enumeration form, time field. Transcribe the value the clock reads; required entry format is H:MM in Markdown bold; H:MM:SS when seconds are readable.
**11:44**
